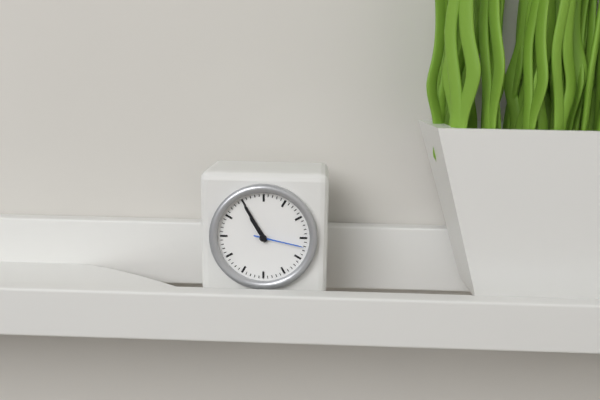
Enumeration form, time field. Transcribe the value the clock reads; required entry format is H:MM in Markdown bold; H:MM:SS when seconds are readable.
**10:55:17**
